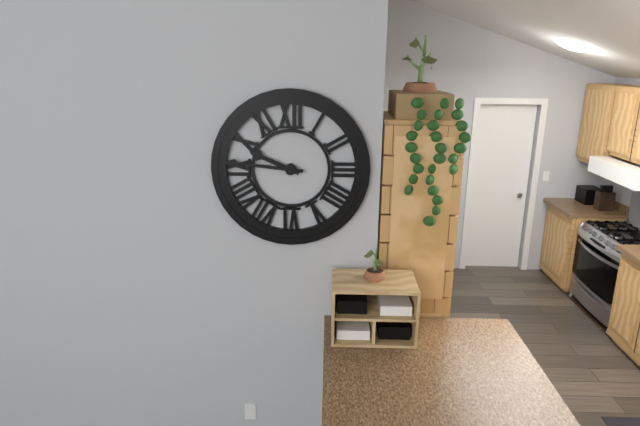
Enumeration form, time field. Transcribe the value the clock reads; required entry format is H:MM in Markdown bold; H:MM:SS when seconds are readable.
**9:46**
